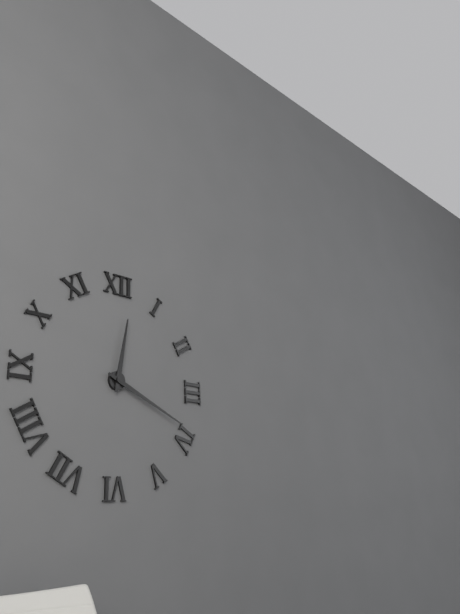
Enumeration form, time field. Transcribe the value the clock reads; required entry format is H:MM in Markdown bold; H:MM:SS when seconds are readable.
**12:19**
